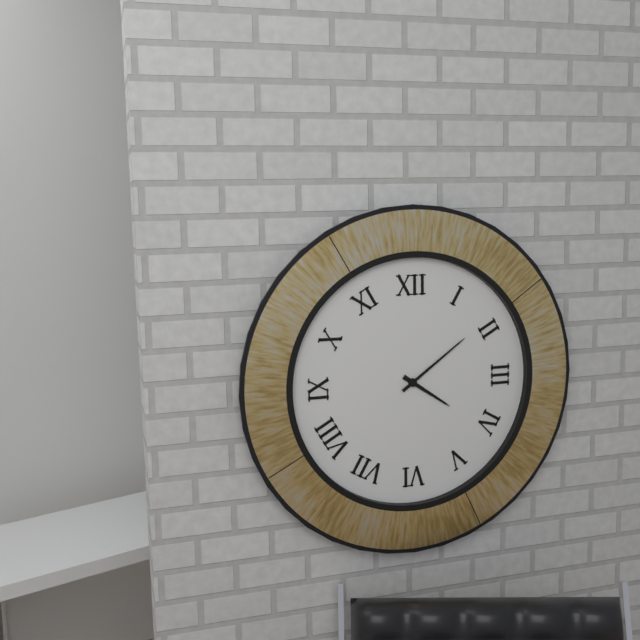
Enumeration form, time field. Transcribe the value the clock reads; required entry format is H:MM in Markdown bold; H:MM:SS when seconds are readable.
**4:09**
